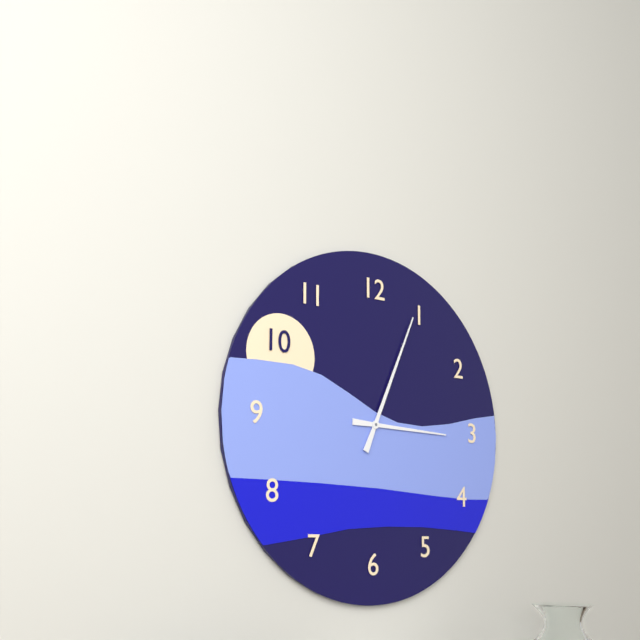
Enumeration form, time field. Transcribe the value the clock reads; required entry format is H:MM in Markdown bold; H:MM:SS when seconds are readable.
**3:04**
